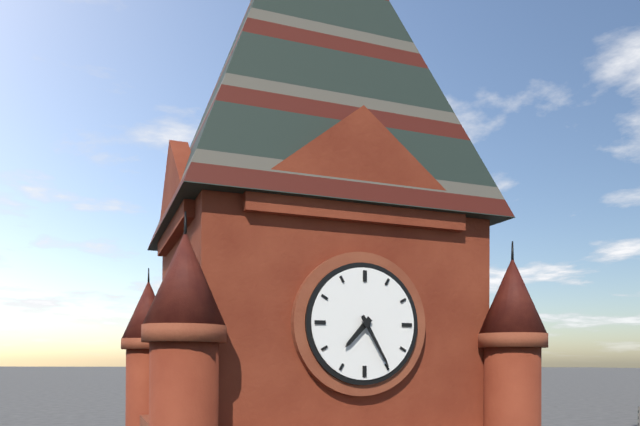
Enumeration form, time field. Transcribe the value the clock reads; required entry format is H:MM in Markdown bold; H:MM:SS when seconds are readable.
**7:25**
